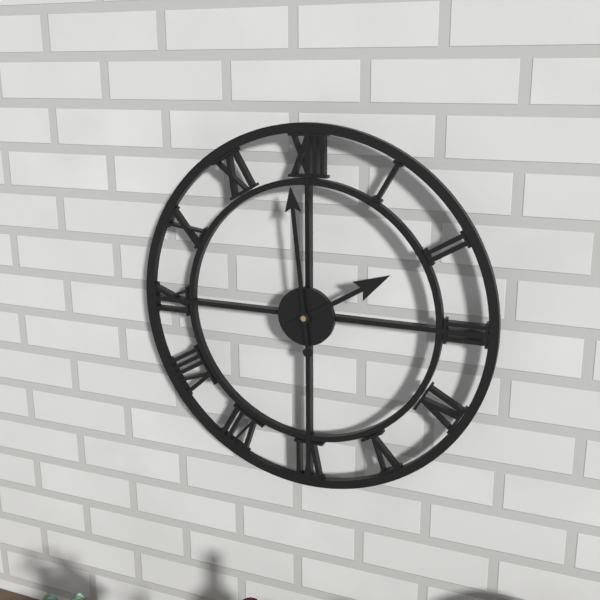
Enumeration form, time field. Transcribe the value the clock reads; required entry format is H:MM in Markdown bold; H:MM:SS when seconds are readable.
**1:59**
